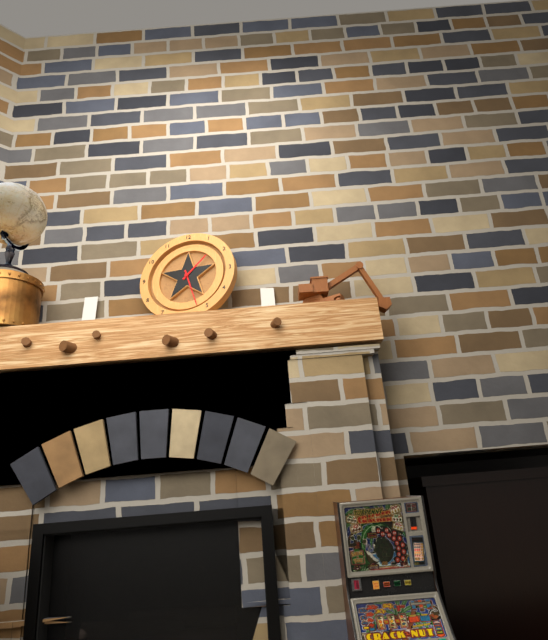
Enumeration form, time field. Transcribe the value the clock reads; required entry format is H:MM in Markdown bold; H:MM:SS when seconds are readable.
**1:27**
